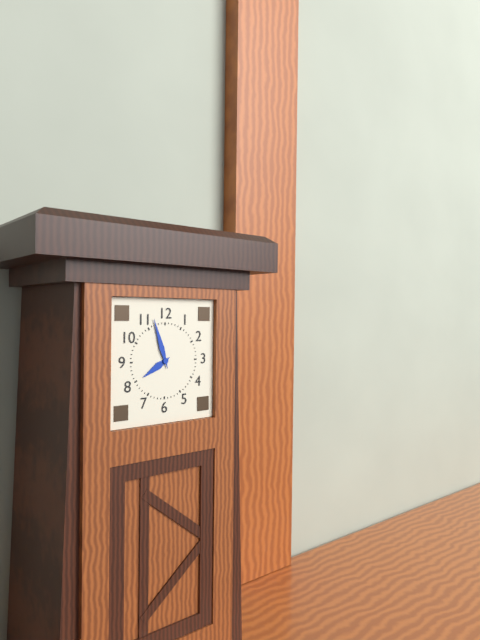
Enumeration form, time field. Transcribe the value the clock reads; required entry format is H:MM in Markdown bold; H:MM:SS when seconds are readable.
**7:57**
